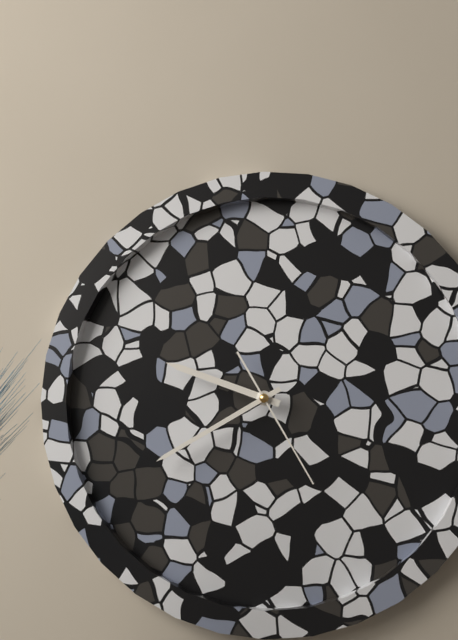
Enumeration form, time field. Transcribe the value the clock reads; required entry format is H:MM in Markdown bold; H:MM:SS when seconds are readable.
**9:40:25**
